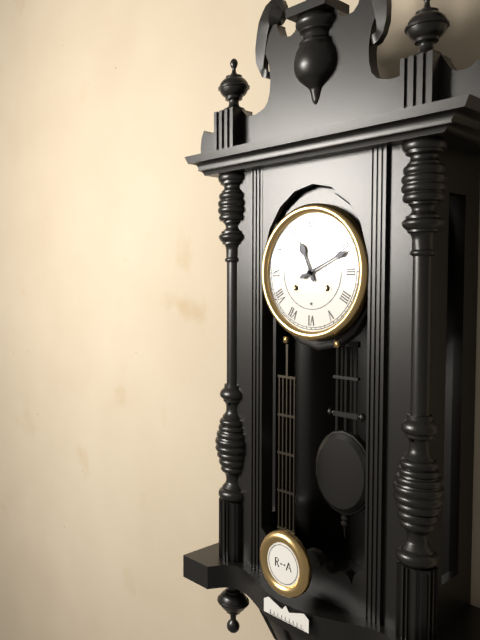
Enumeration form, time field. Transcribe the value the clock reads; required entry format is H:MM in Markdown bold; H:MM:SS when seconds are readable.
**11:11**
